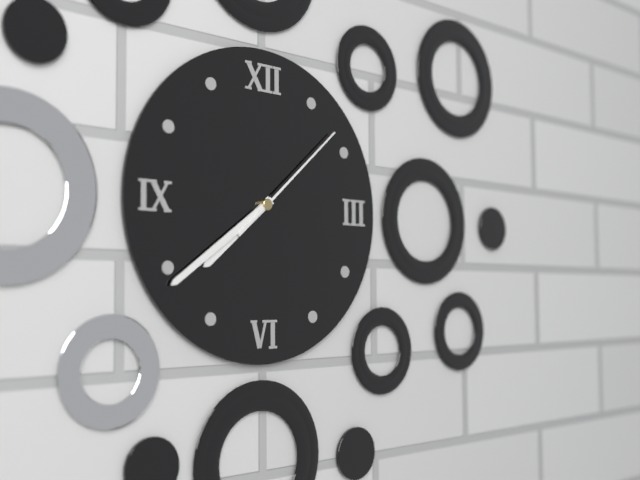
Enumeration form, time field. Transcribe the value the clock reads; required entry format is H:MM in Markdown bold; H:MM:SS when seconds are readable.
**7:39:08**
